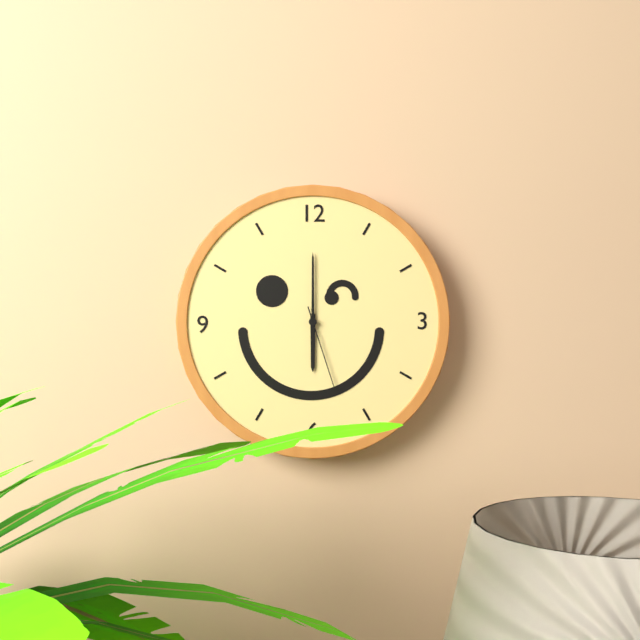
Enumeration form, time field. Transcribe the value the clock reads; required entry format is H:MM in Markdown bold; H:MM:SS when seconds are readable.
**6:00:27**
